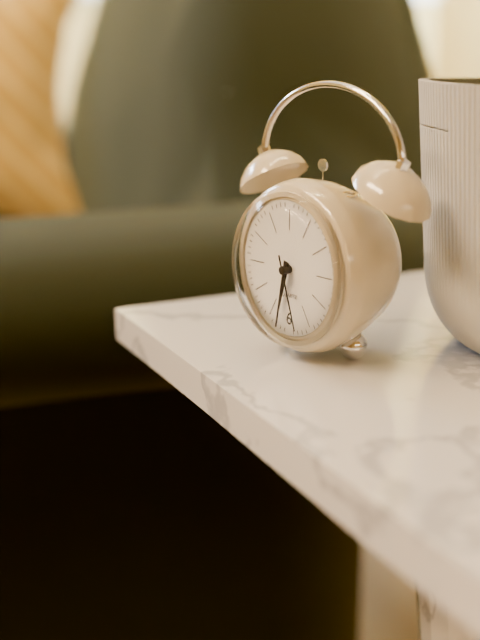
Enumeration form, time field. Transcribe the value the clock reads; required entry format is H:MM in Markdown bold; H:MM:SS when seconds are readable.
**6:32:27**
